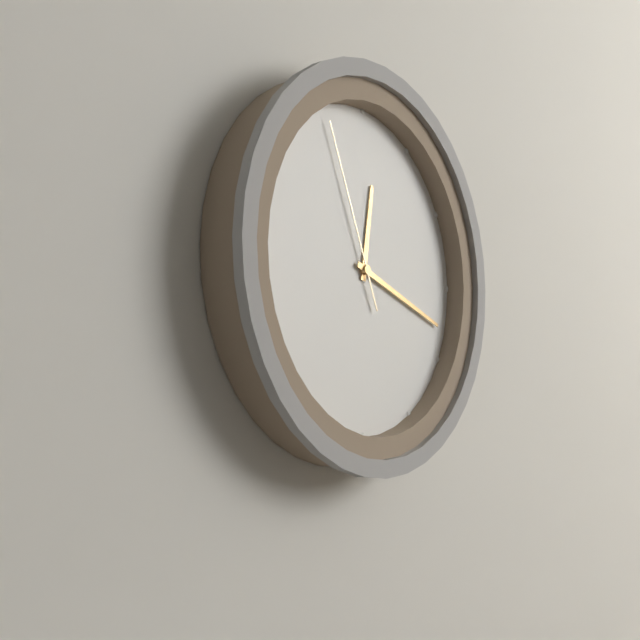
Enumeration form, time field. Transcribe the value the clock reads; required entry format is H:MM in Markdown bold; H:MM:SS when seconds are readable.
**12:18:56**
